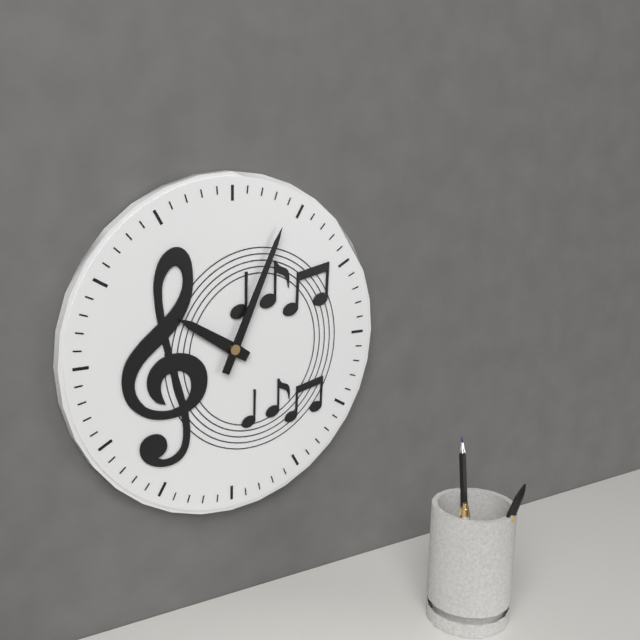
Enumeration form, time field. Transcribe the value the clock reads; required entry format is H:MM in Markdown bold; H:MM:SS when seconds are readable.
**10:04**
